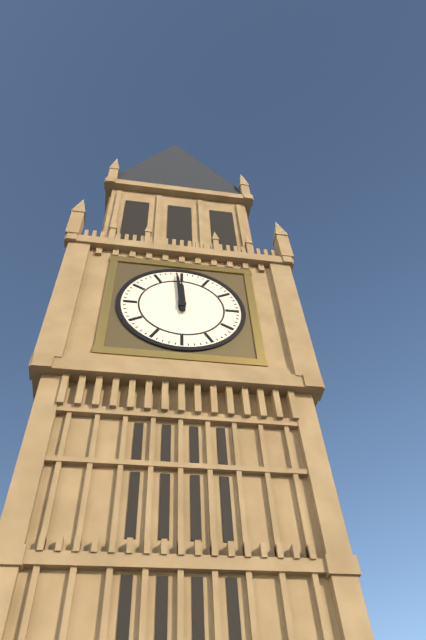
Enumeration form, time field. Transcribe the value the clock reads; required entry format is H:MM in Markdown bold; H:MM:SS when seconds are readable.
**11:59**
